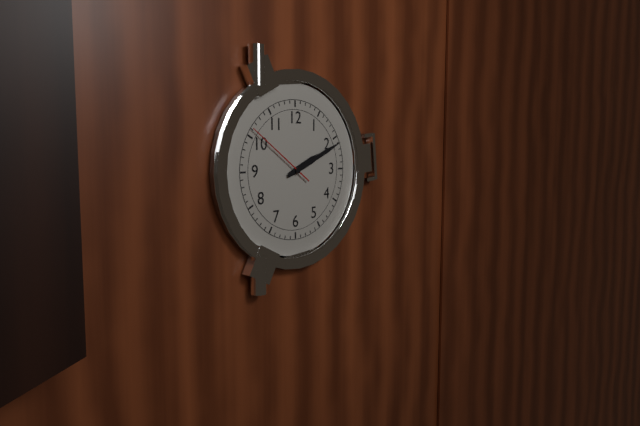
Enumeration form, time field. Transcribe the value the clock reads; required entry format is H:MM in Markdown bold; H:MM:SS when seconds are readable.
**2:11:51**
